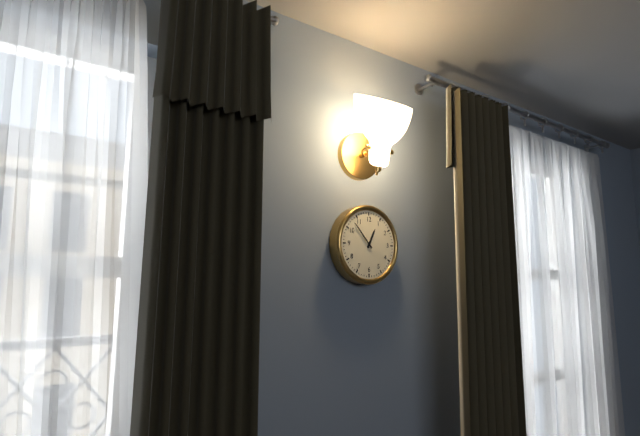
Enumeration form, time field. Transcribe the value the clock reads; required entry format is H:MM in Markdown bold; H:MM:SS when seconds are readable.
**12:53**
